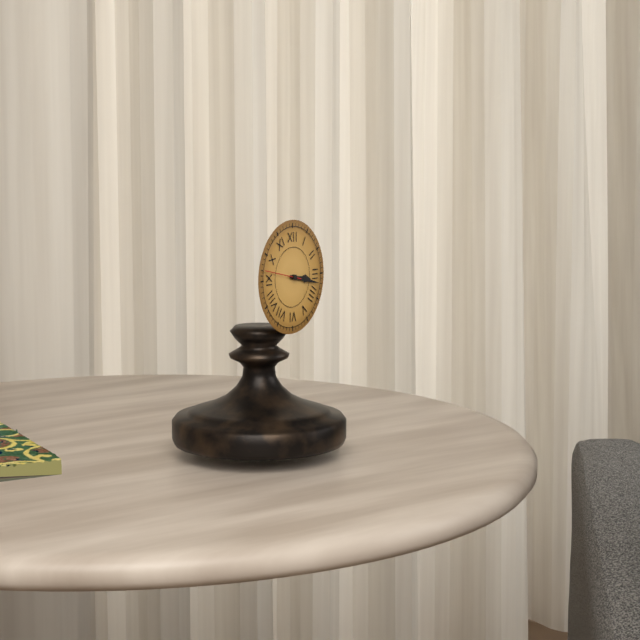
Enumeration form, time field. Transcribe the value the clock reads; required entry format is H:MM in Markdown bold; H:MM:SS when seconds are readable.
**3:17**
